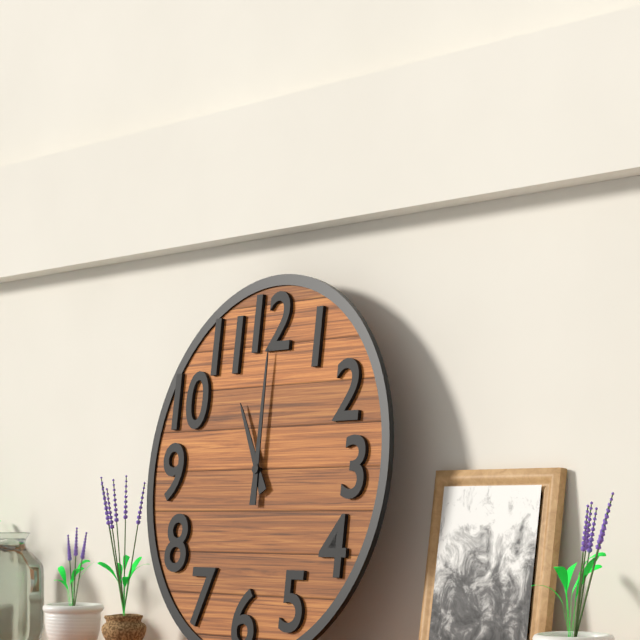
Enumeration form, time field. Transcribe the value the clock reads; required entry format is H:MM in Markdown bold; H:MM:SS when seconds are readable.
**11:00**
